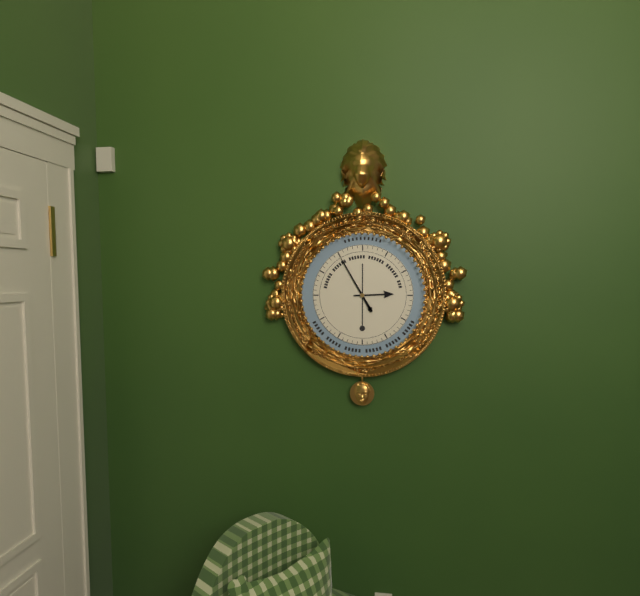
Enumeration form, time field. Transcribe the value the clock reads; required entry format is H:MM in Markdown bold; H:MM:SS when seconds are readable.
**2:55**
